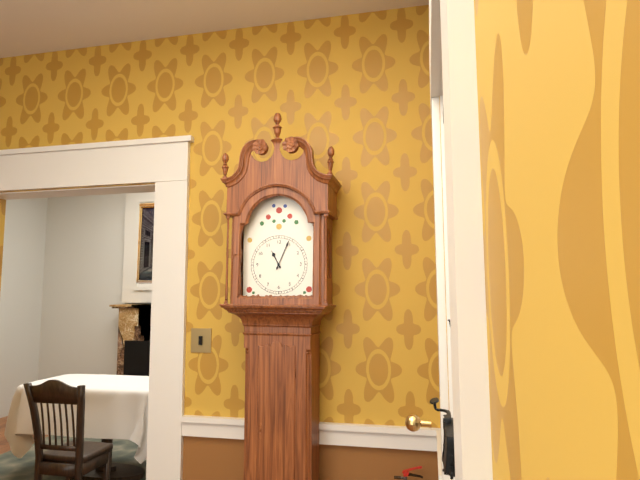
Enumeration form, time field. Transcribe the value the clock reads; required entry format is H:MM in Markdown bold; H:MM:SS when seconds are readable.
**11:04**
